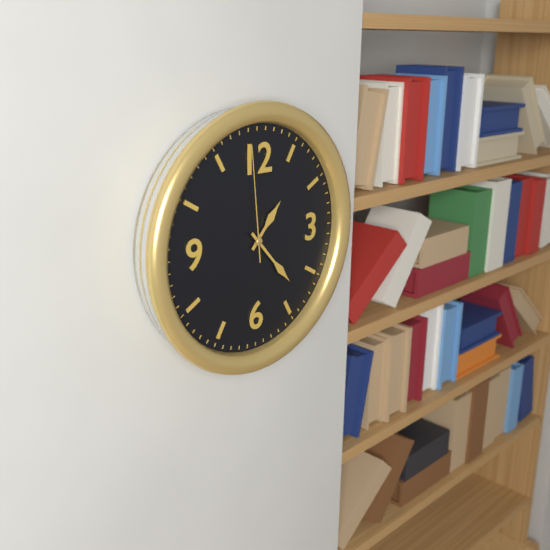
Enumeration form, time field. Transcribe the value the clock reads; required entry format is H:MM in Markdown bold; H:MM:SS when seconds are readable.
**1:23:59**
